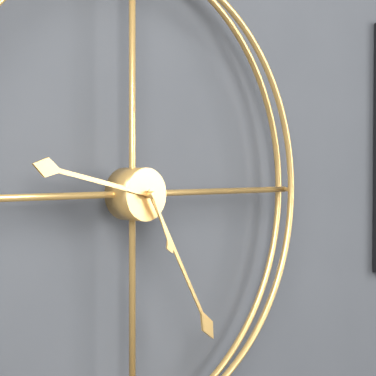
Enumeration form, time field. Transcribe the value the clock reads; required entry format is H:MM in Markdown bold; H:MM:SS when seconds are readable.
**9:25:26**
